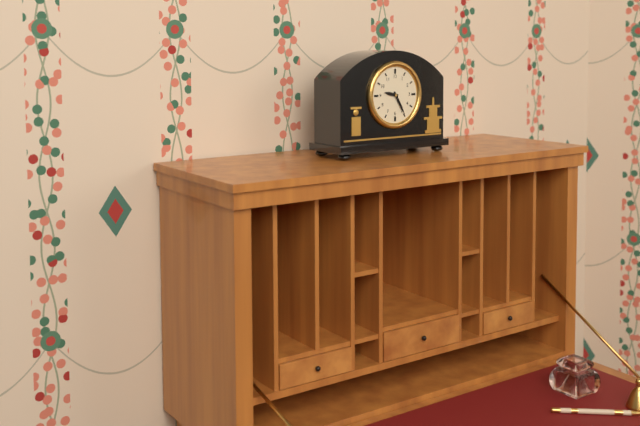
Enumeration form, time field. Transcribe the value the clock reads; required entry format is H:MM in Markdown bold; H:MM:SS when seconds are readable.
**9:25**
